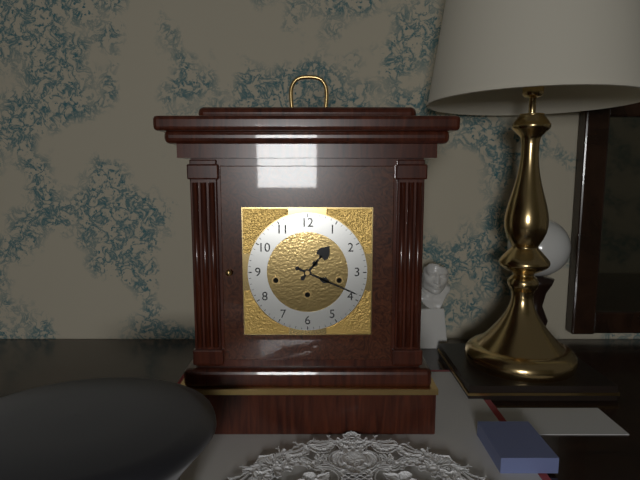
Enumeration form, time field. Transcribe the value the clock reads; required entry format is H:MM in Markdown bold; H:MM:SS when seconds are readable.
**1:19**
